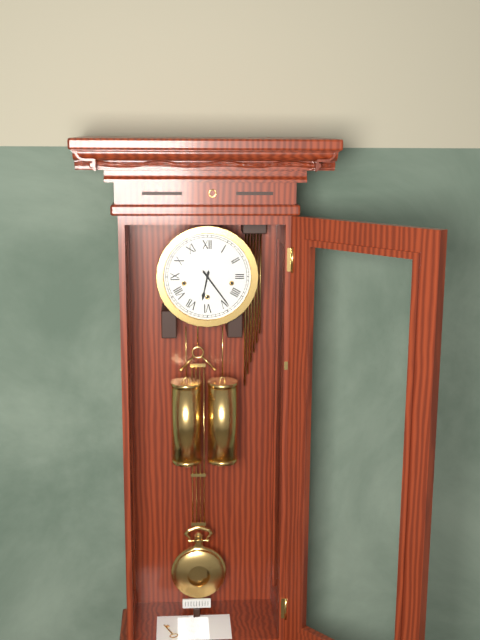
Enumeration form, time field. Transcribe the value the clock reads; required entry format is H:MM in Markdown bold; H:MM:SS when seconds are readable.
**6:24**
